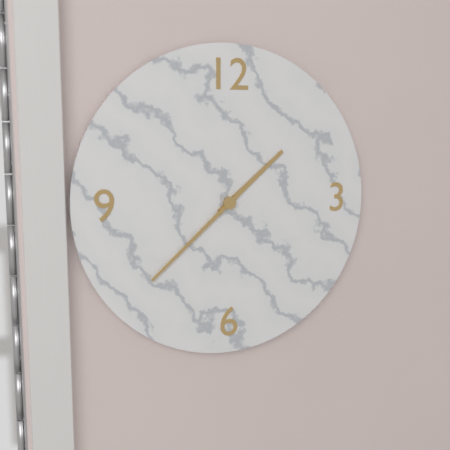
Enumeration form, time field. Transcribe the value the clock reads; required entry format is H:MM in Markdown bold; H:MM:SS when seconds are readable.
**1:38**
